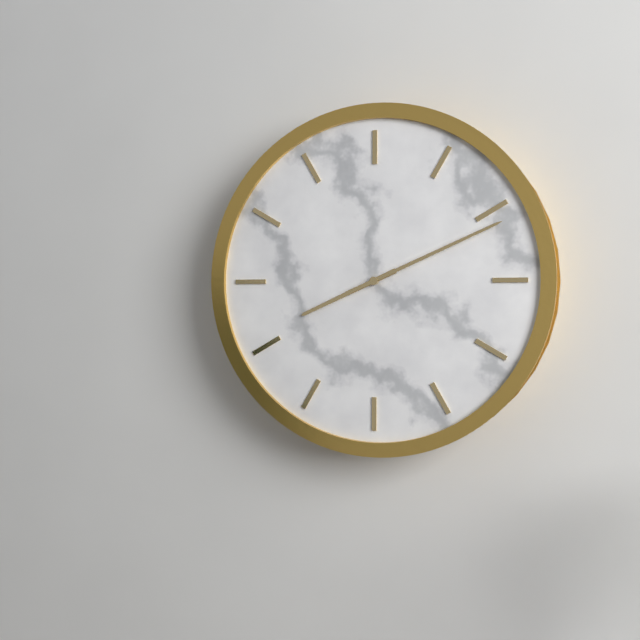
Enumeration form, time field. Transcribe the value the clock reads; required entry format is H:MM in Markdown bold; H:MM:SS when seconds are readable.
**8:11**
